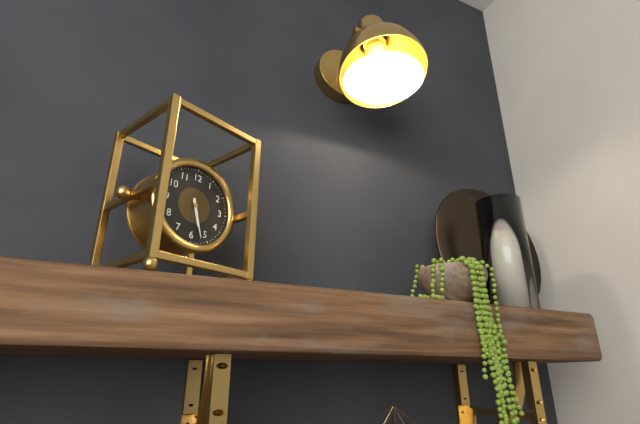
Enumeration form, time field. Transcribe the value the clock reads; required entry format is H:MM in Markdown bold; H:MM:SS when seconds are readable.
**5:27**
